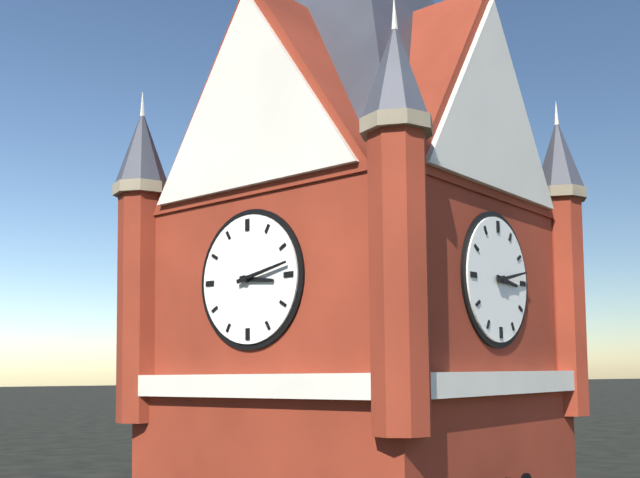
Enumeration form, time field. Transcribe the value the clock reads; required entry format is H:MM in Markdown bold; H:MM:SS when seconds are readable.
**3:13**
